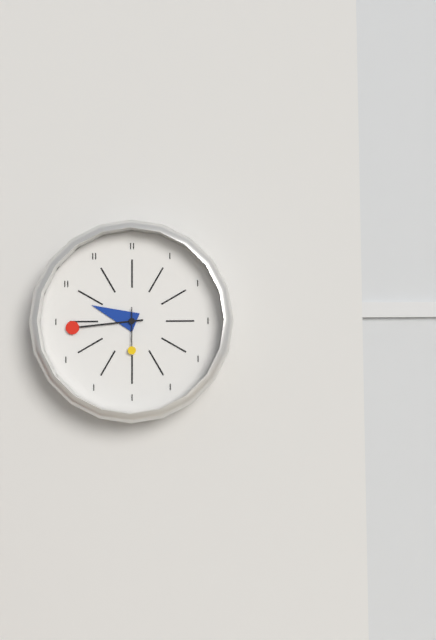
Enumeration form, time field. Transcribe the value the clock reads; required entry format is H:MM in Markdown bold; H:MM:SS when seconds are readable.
**9:44**
